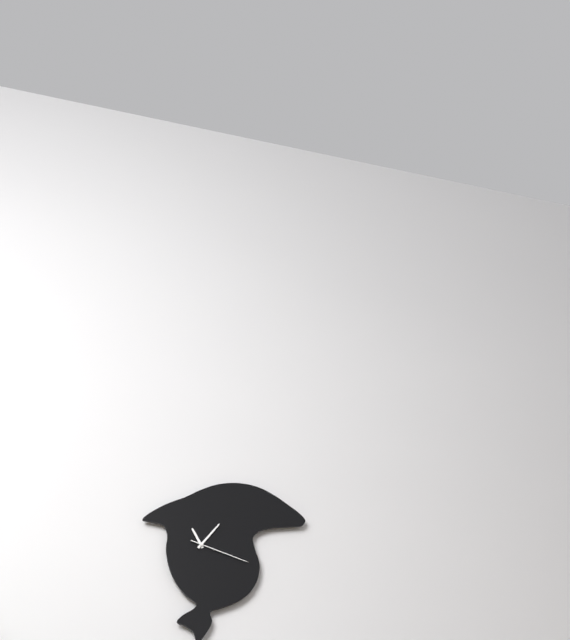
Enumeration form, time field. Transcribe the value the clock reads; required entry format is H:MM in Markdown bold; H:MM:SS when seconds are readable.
**11:06:18**
